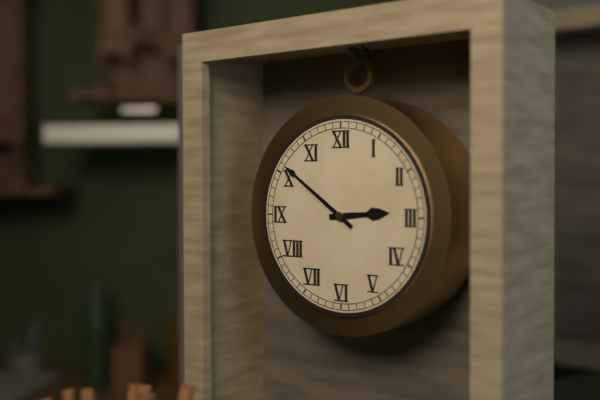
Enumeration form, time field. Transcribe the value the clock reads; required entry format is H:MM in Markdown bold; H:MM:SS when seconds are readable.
**2:51**
